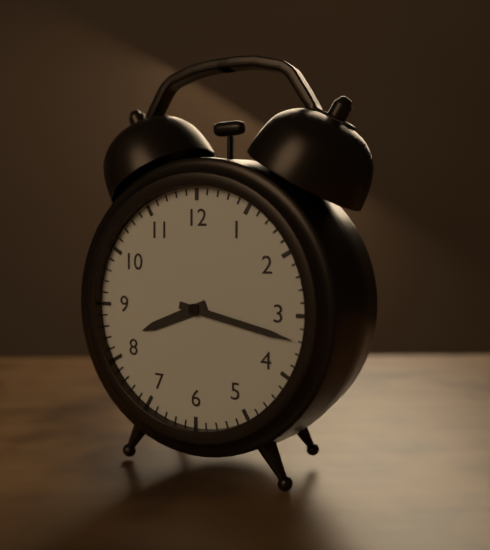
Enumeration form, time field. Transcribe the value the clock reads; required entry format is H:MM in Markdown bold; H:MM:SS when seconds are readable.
**8:17**
